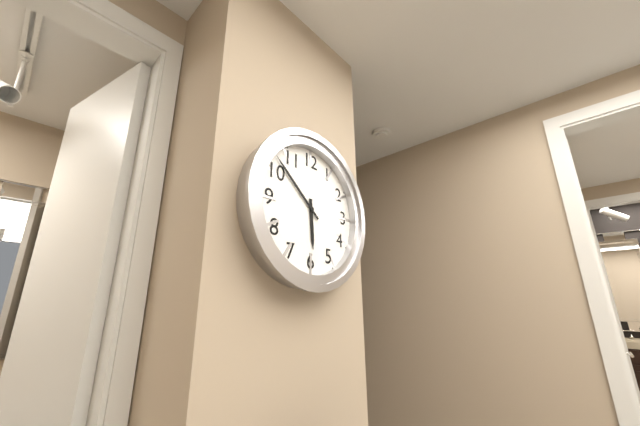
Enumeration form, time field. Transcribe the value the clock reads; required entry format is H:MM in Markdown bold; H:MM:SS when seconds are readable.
**5:52**
